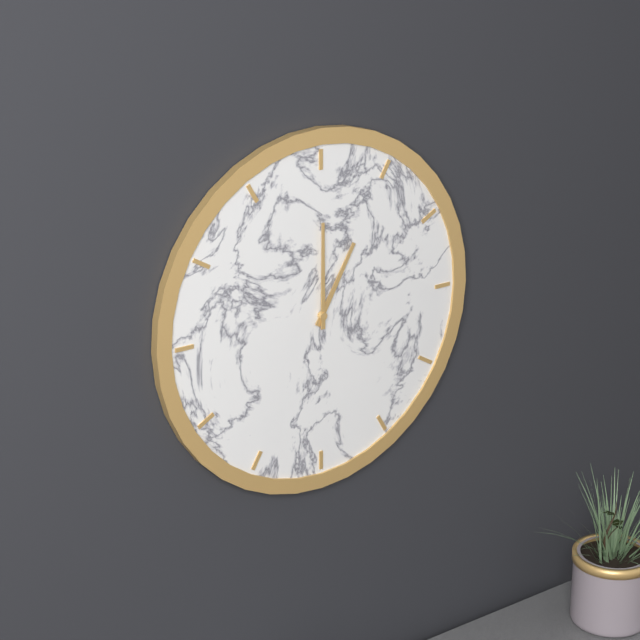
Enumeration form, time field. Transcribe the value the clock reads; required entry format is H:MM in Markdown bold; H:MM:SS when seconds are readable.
**1:00**
